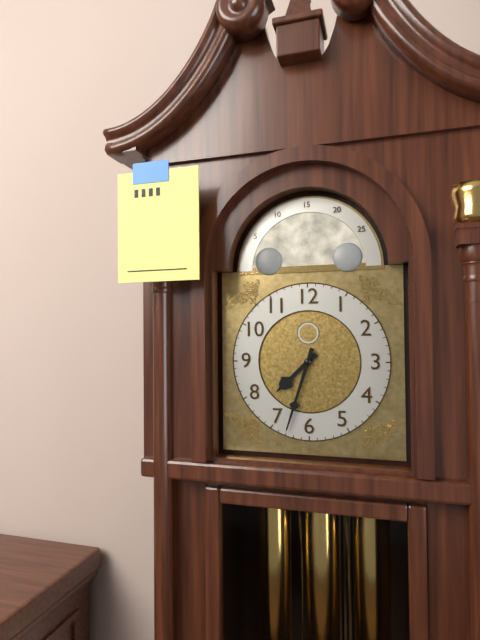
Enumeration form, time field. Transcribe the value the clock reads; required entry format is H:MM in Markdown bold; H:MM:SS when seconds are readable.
**7:33**
